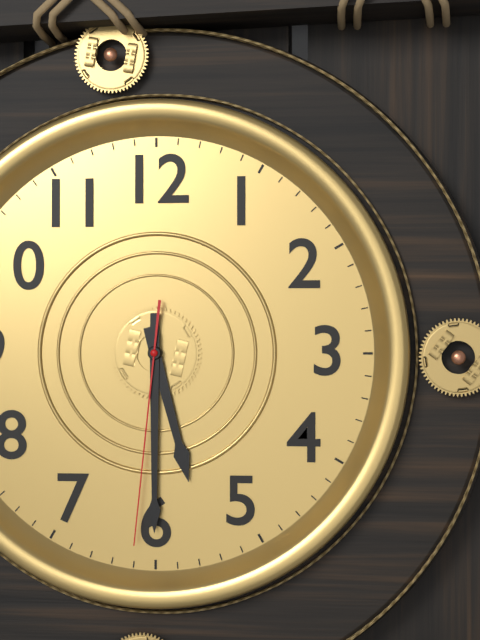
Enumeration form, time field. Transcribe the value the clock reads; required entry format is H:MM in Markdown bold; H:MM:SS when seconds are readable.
**5:30:31**
